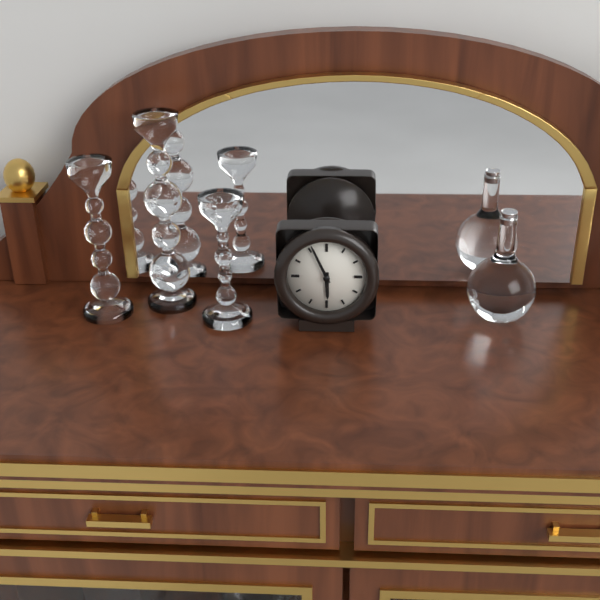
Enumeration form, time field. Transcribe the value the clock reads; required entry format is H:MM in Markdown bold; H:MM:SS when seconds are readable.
**5:56**
